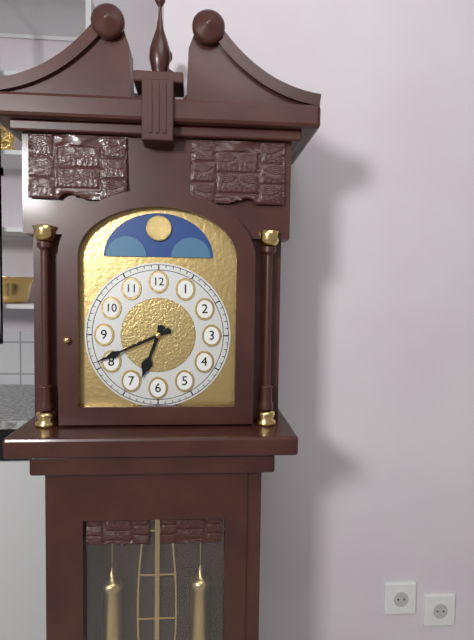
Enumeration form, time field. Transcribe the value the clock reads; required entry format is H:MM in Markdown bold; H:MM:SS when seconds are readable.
**6:41**
